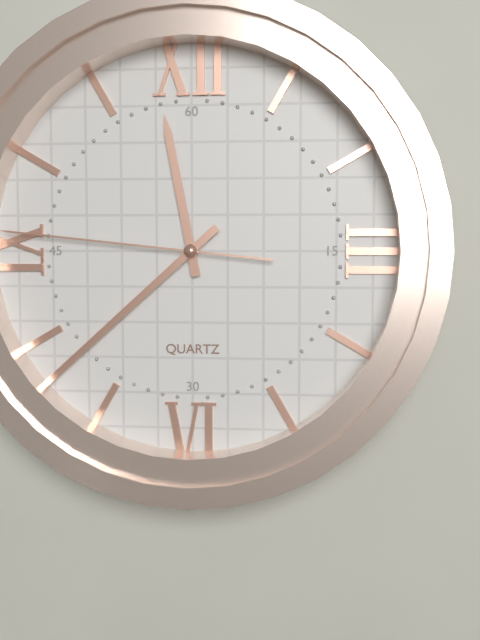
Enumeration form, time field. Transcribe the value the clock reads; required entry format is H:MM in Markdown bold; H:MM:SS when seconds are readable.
**11:38**
